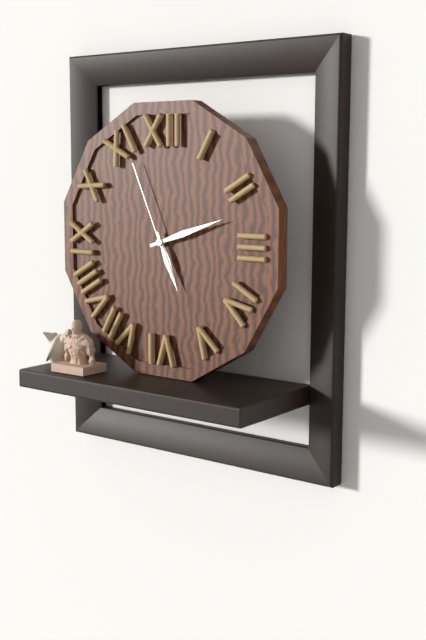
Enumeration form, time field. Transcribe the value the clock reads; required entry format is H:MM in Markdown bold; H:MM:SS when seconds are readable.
**5:12:56**
